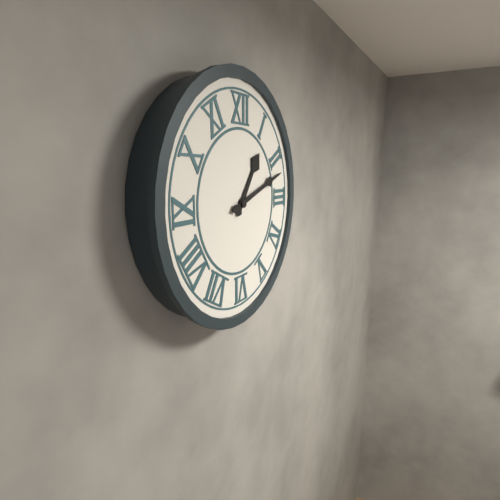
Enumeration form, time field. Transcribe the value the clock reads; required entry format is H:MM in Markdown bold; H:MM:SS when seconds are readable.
**1:12**
